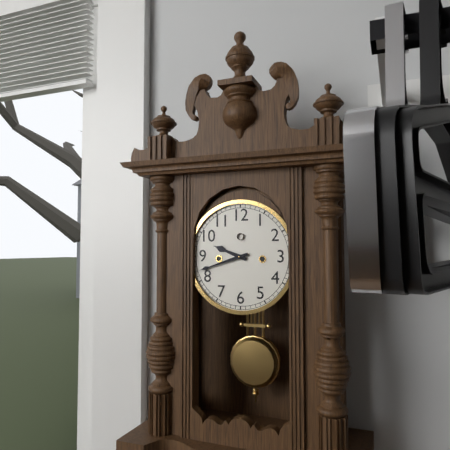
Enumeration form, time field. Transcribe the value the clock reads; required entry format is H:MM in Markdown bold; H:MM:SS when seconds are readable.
**9:42**
